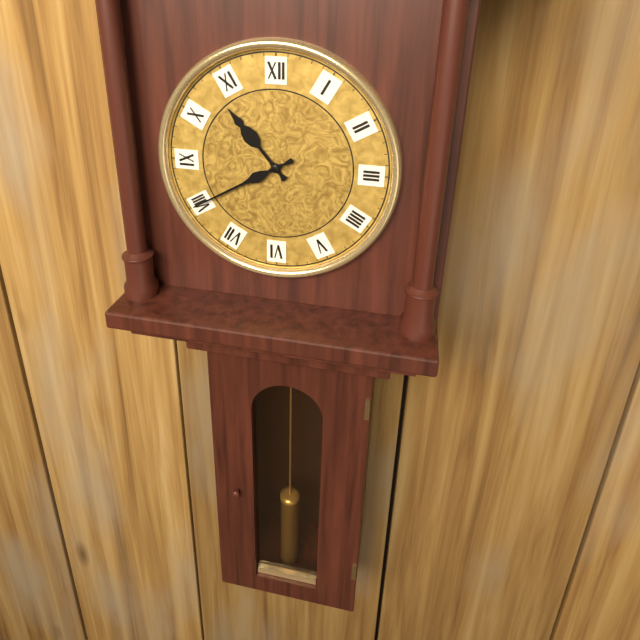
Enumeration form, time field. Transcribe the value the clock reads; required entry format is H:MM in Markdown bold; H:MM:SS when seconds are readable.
**10:40**
